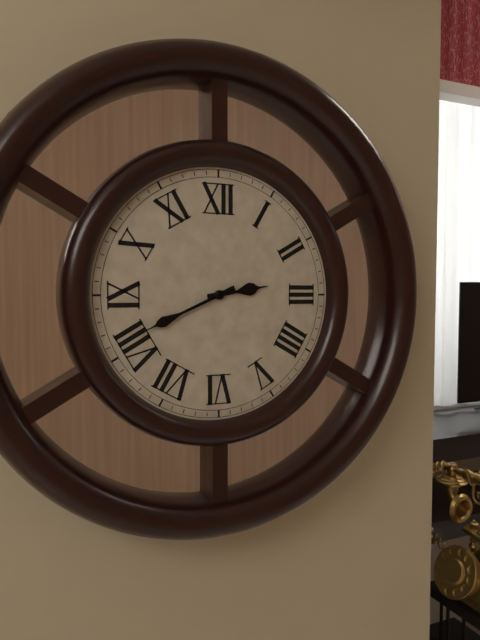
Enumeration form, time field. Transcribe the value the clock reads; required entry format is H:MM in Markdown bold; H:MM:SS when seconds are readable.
**2:41**
